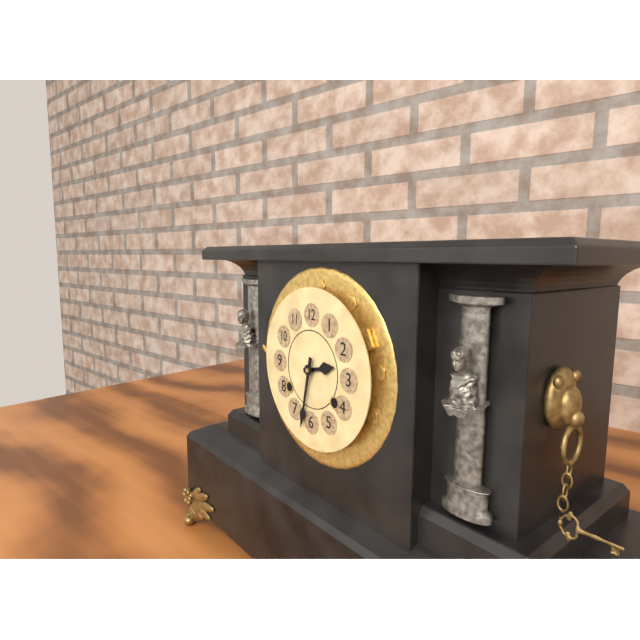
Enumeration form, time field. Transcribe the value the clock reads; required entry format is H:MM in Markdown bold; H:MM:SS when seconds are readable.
**2:32**
